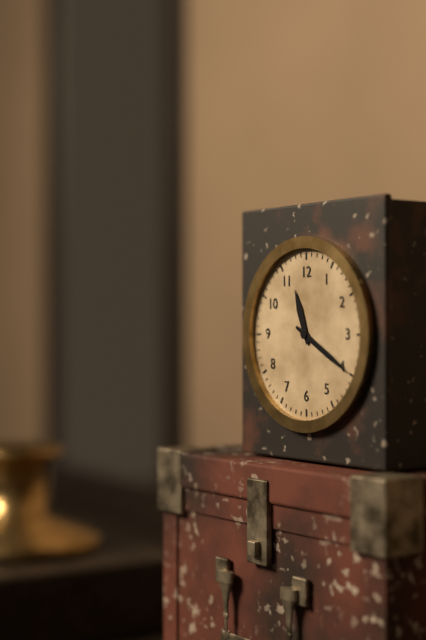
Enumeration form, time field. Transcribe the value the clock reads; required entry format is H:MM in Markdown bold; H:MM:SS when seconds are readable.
**11:20**
